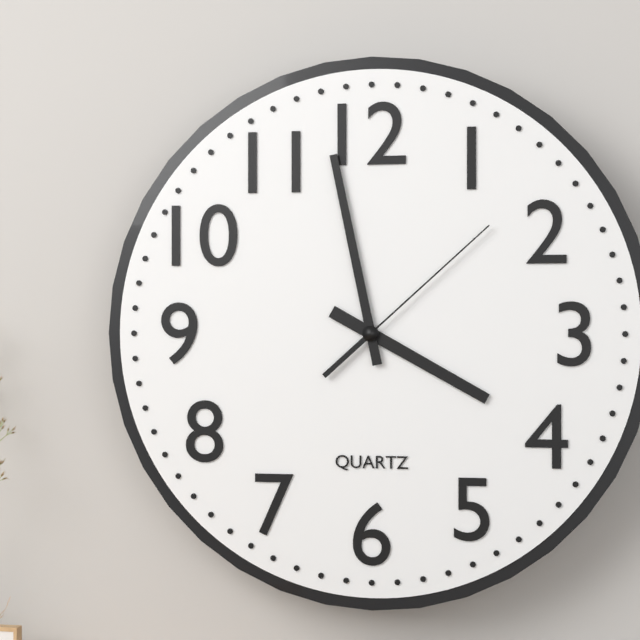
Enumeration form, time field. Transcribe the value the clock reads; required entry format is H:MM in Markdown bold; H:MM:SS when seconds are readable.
**3:58:08**
